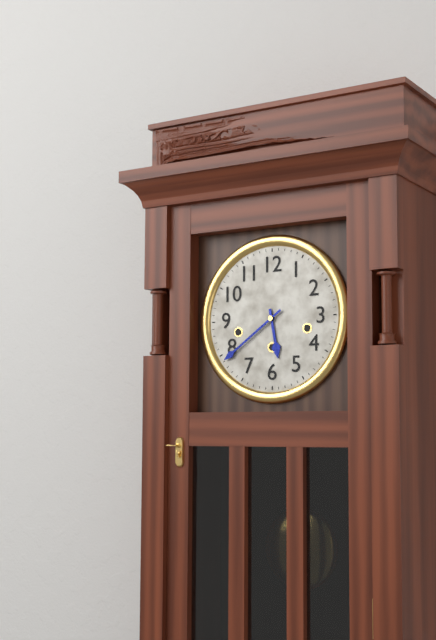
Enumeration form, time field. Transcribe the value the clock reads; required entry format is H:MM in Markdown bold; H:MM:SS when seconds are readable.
**5:39**
